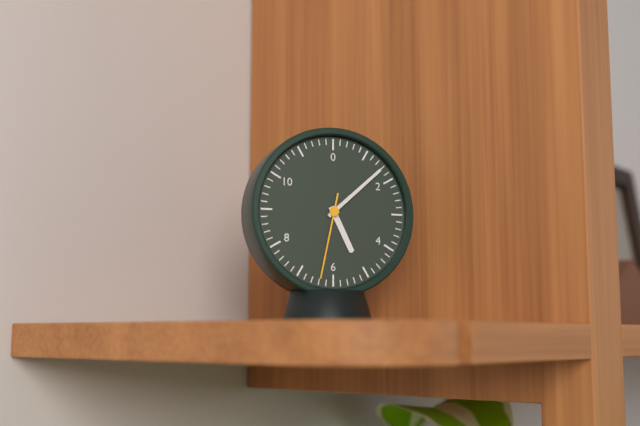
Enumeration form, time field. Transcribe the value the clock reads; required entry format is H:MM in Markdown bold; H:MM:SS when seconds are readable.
**5:08:32**
